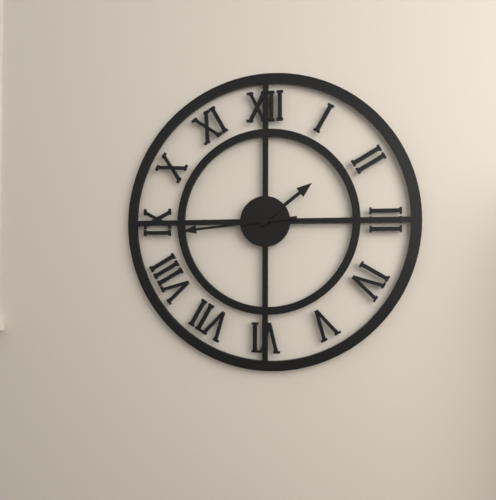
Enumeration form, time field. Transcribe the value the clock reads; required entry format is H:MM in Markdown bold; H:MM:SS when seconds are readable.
**1:44**
